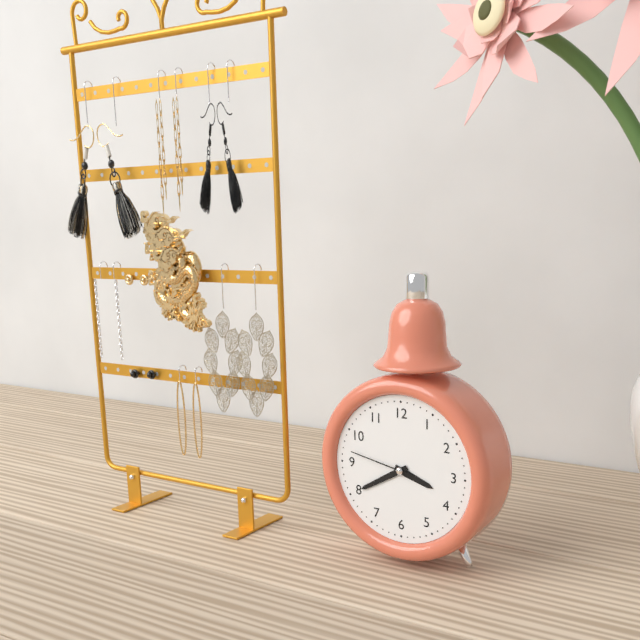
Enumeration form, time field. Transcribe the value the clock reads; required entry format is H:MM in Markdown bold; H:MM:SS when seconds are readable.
**3:40:47**
